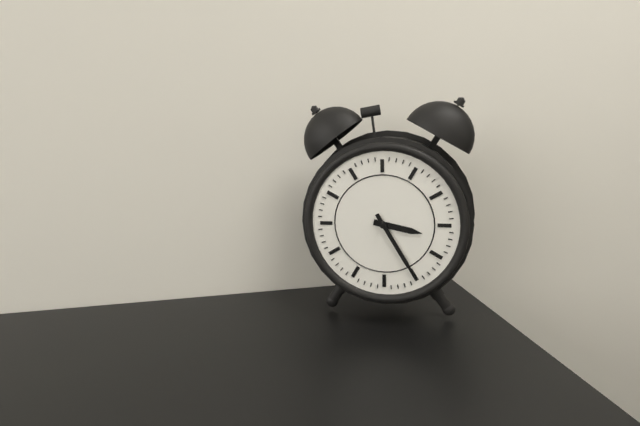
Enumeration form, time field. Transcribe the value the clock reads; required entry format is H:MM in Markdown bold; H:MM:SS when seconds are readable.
**3:25**
